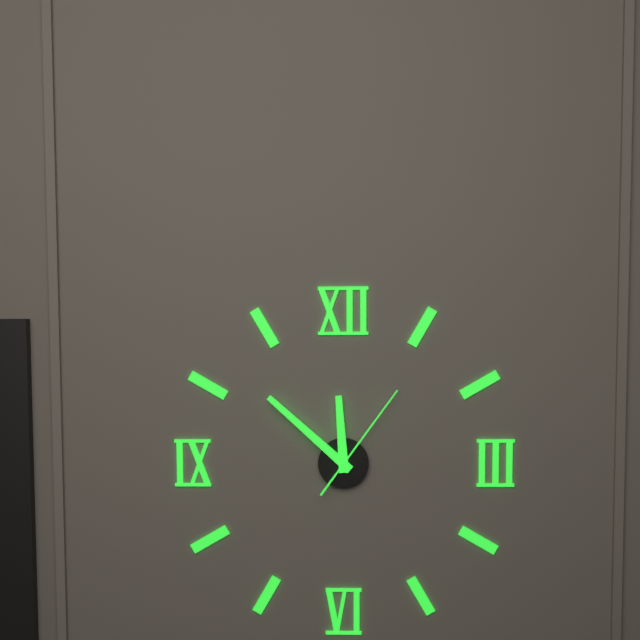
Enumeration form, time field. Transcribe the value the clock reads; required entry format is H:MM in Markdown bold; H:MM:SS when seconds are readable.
**11:52:06**
